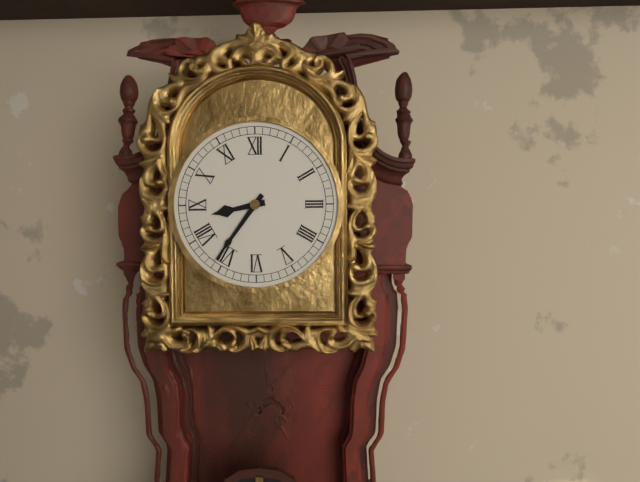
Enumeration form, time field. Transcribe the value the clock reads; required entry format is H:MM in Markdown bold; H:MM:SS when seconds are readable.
**8:36**
